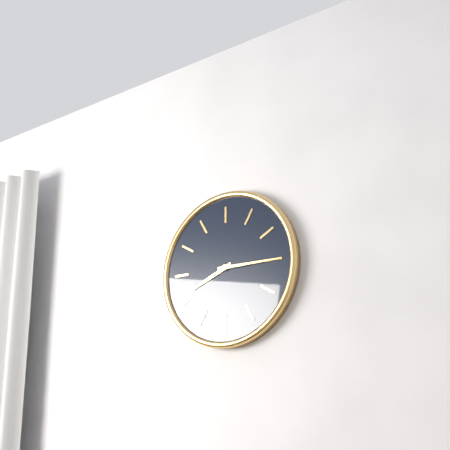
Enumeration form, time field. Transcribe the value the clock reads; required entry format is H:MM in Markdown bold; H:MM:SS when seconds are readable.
**8:15**
